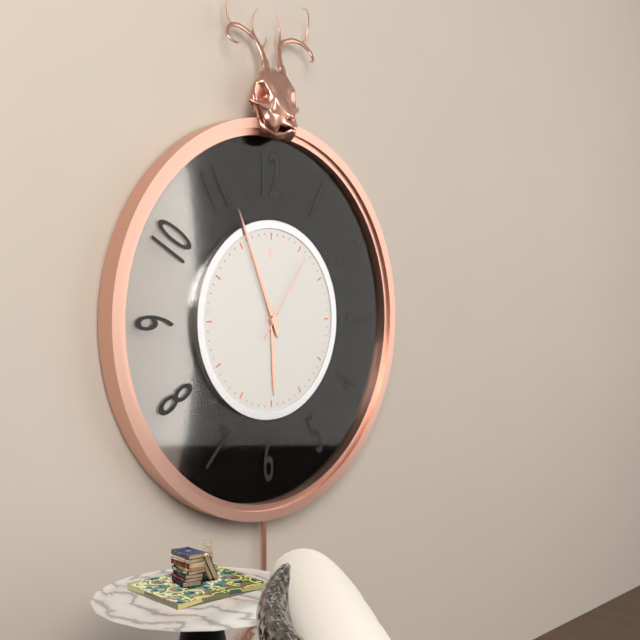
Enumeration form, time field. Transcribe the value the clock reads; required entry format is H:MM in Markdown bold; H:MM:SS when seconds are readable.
**5:56:06**
